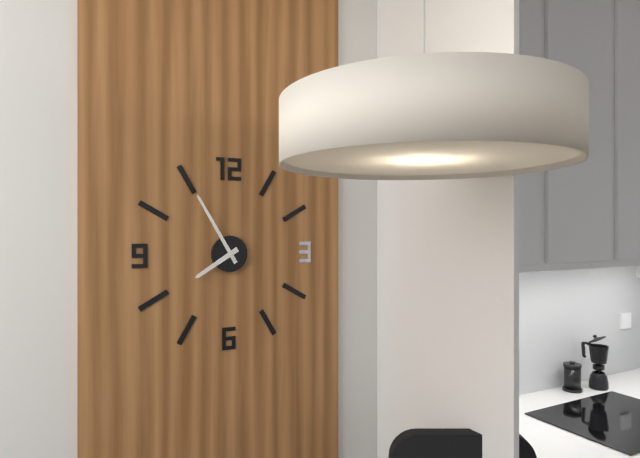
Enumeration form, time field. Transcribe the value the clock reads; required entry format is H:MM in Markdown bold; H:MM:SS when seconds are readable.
**7:55**
